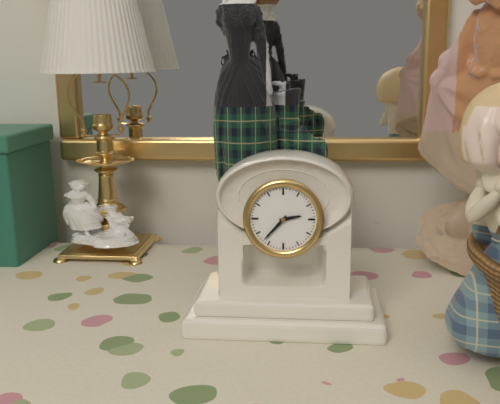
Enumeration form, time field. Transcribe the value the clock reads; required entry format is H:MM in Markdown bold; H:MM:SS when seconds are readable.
**2:37**
